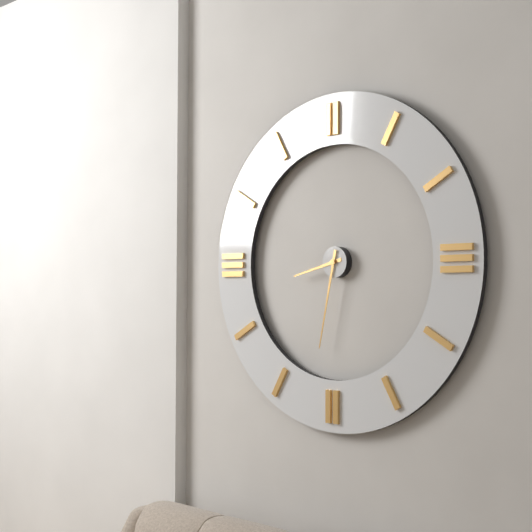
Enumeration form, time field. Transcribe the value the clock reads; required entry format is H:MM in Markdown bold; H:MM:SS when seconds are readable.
**8:32**
